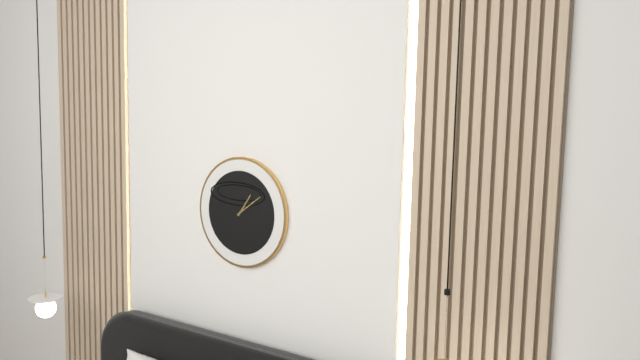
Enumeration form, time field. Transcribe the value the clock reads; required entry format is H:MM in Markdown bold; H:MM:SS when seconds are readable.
**1:09**
